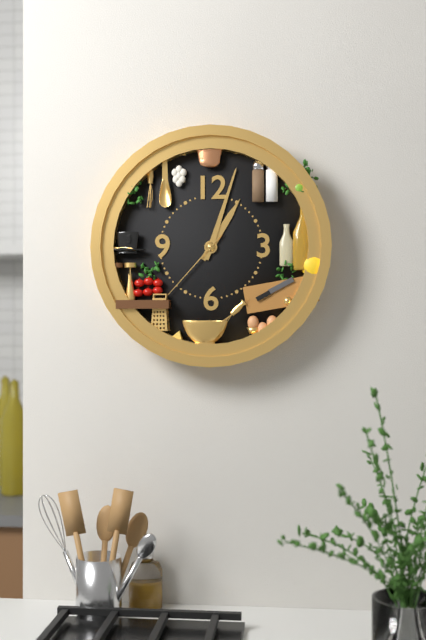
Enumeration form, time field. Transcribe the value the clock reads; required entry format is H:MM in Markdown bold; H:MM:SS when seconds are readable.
**1:03:37**
